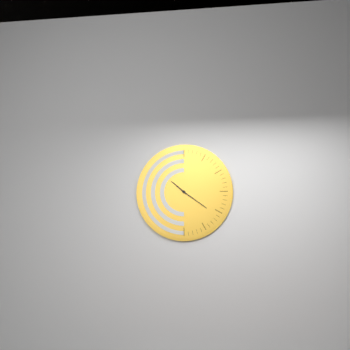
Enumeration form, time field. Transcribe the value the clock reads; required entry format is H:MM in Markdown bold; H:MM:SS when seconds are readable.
**10:21**
